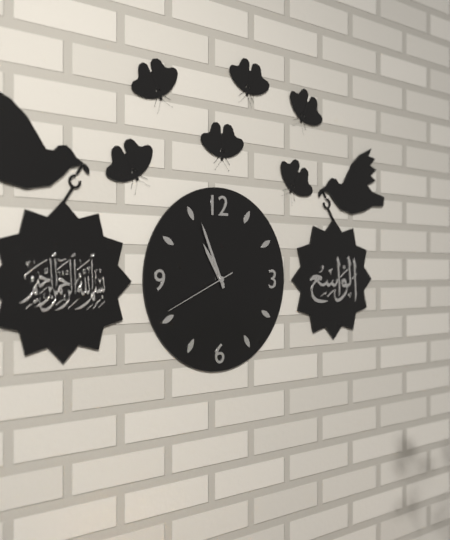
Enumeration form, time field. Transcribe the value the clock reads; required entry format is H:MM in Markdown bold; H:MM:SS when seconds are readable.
**10:56:41**
